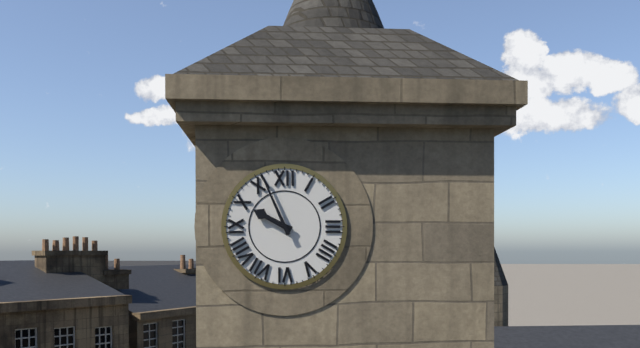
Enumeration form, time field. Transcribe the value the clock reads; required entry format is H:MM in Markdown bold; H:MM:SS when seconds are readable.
**9:56**
